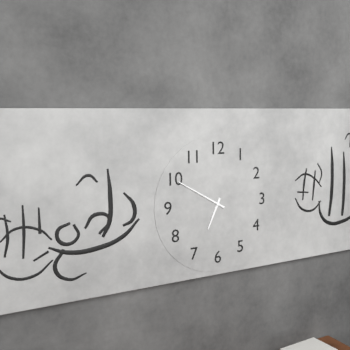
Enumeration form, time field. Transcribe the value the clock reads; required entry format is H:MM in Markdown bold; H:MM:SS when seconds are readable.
**6:50**
